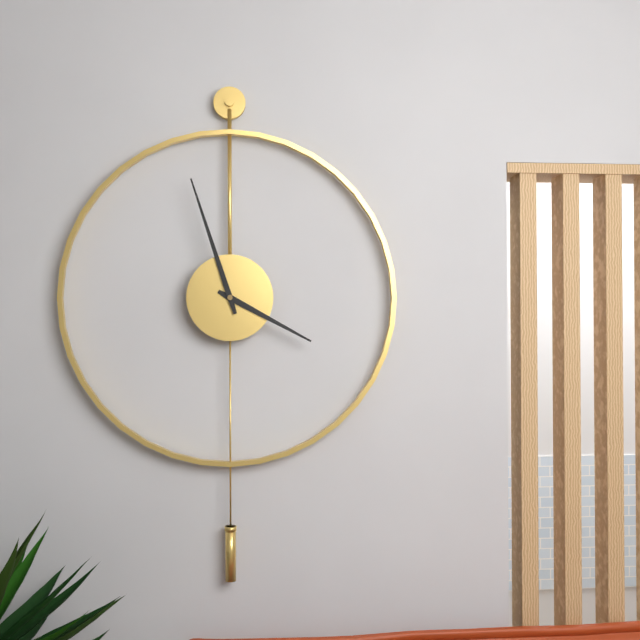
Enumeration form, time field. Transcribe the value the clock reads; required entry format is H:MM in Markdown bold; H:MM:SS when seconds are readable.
**3:57**
